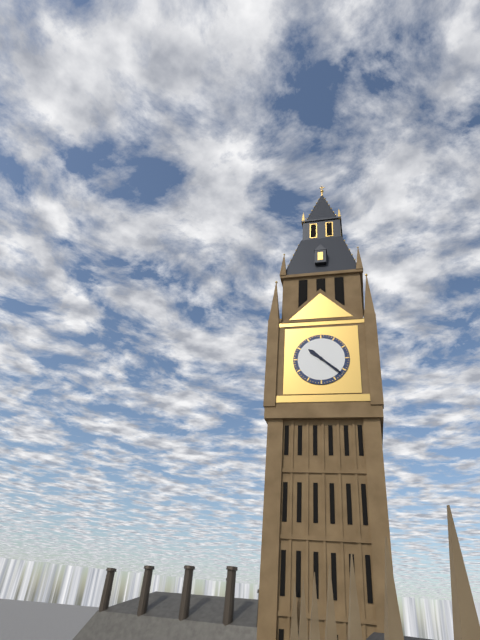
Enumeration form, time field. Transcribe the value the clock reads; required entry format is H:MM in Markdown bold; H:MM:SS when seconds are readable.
**10:22**
